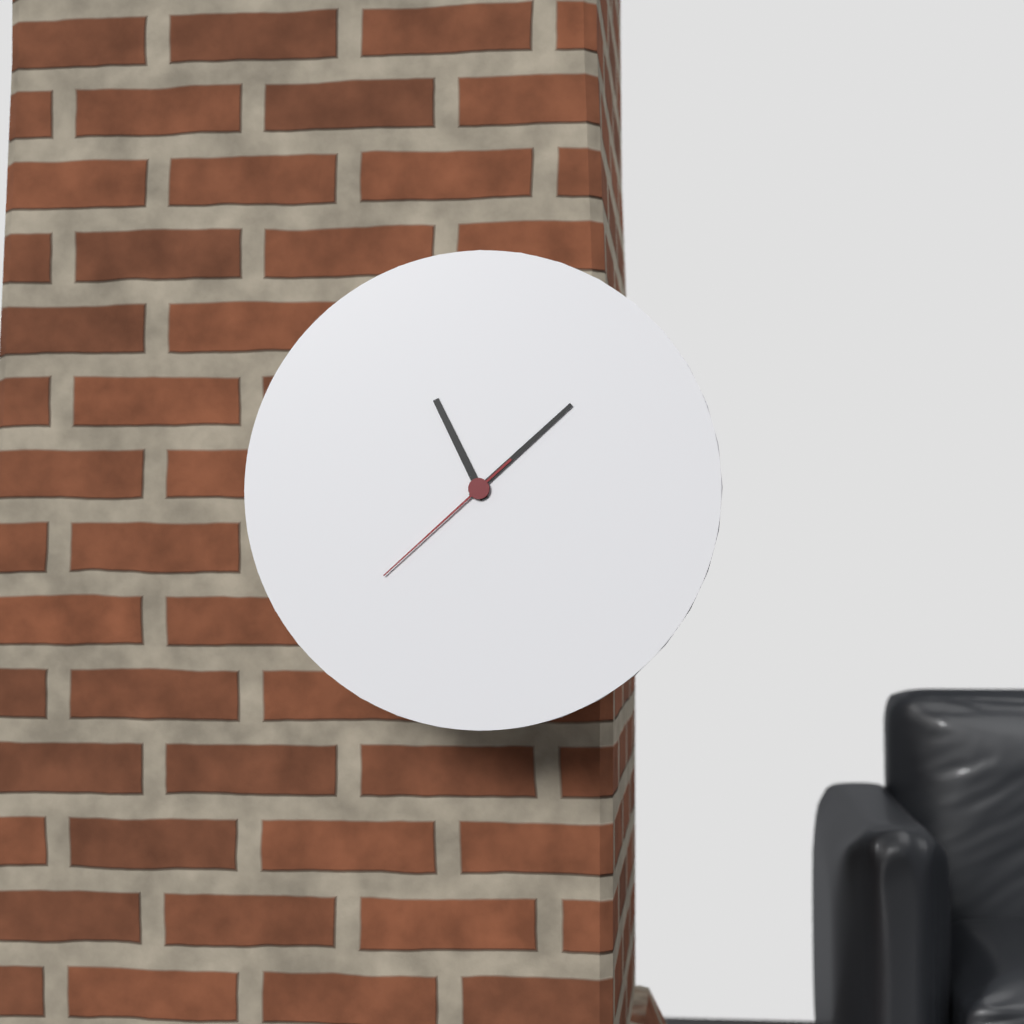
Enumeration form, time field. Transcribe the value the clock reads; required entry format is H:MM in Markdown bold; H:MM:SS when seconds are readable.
**11:08:38**
